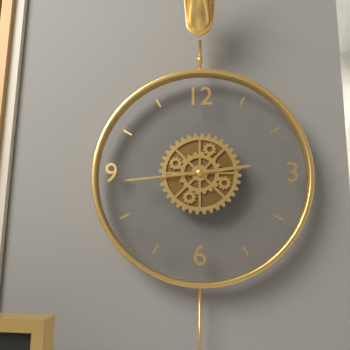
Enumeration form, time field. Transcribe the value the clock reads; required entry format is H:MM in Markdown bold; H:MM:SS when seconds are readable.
**2:44**
